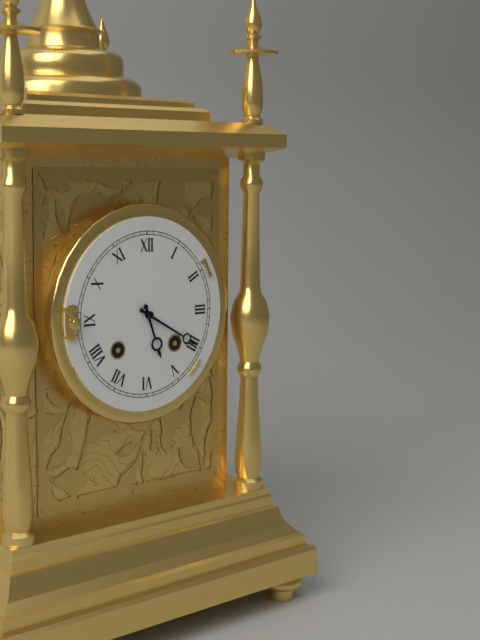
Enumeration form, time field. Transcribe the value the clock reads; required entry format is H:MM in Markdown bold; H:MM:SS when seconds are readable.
**5:20**
